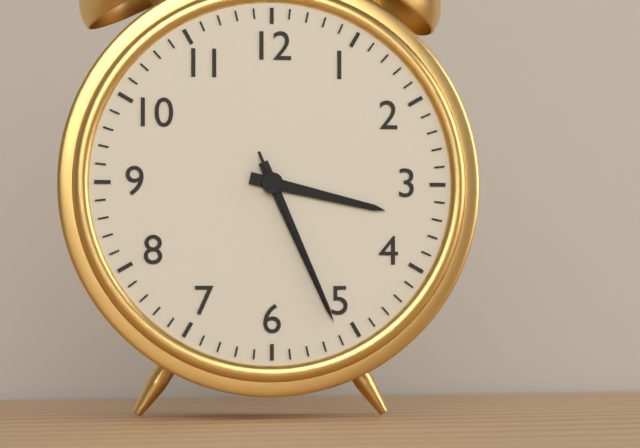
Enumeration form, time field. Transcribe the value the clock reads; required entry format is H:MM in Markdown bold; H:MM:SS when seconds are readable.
**3:26:26**
